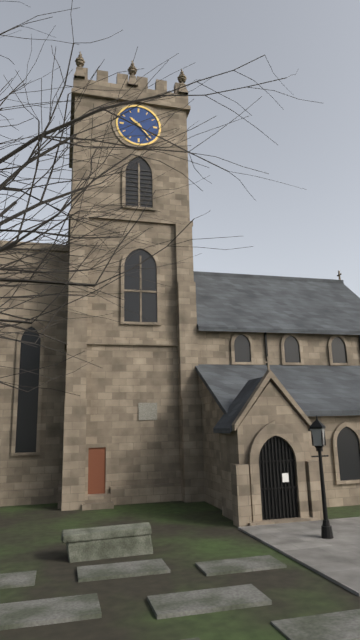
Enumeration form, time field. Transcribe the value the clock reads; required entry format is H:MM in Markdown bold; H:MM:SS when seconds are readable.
**10:23**
